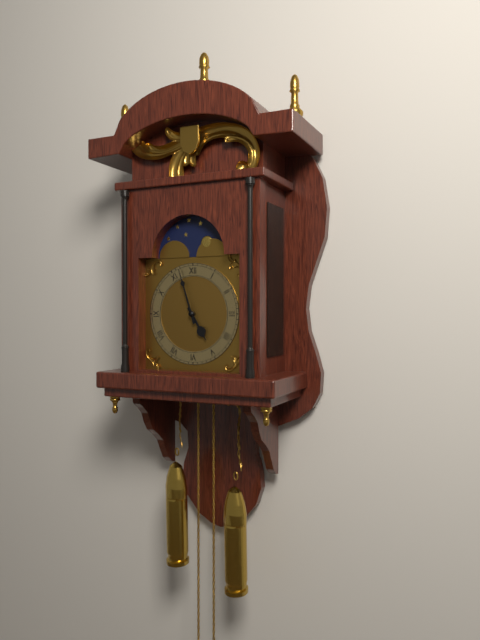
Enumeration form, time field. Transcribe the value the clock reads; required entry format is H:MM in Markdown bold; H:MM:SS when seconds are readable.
**4:57**
